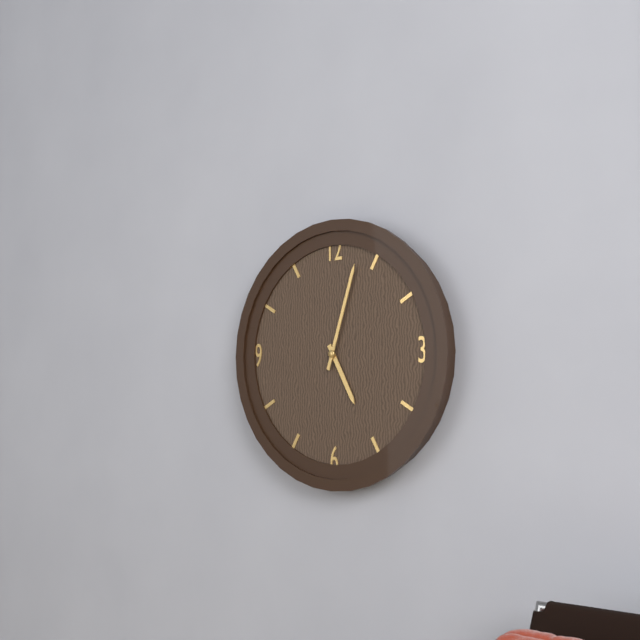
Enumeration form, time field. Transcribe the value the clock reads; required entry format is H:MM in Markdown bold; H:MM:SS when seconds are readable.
**5:03**
